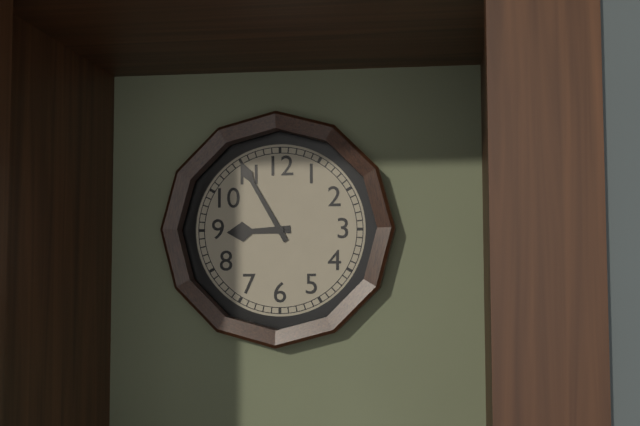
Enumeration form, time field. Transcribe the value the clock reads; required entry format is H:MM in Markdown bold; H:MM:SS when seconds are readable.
**8:55**
